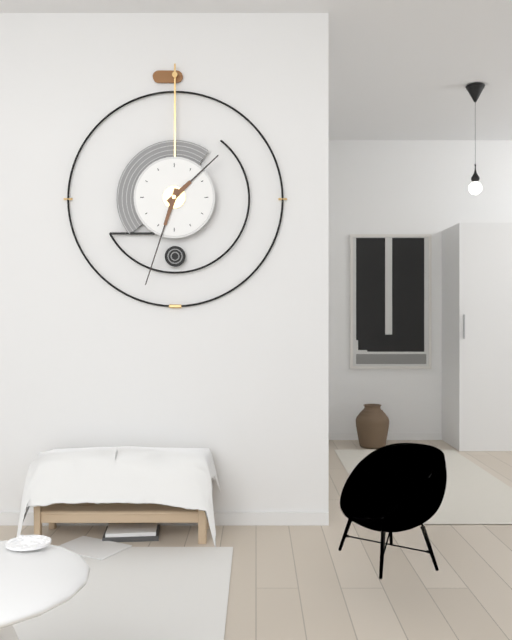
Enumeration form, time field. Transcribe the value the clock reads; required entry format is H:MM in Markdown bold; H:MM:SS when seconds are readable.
**1:33**
